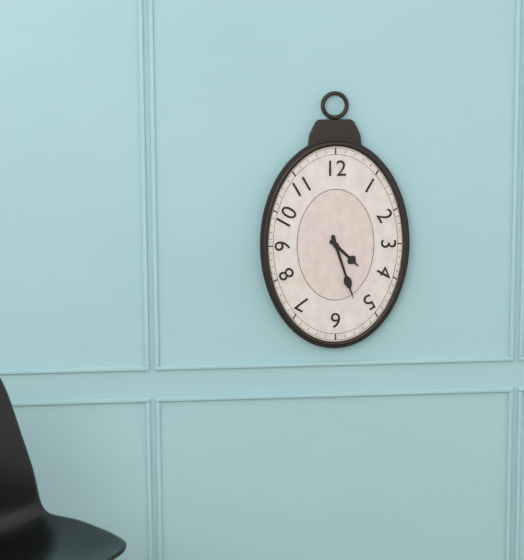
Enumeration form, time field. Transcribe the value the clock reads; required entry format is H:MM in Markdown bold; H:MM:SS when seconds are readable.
**4:27**
